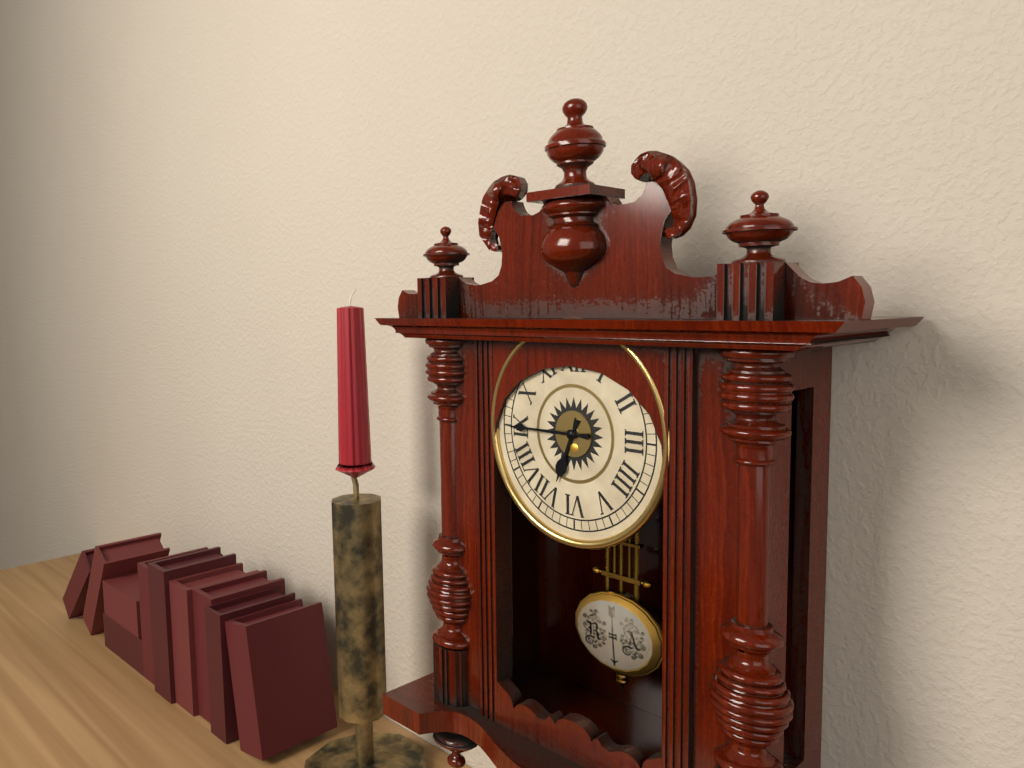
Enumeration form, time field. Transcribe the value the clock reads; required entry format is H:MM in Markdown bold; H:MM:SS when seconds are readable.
**6:45**
